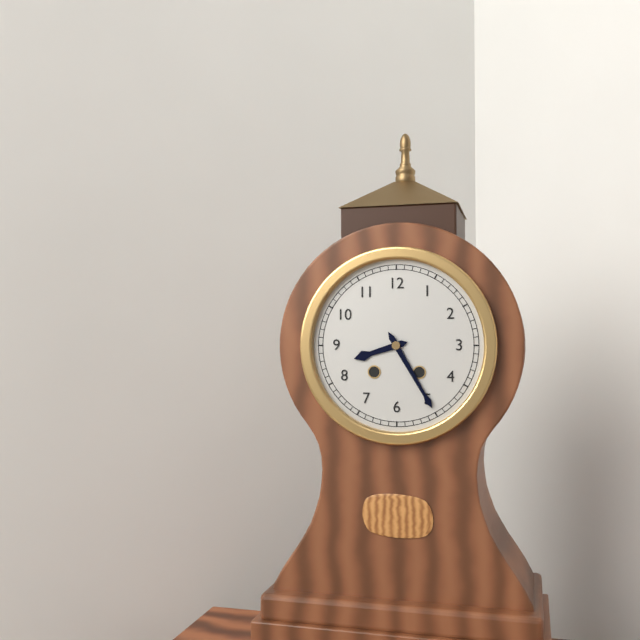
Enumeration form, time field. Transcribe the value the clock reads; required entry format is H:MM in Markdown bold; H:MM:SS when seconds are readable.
**8:25**
